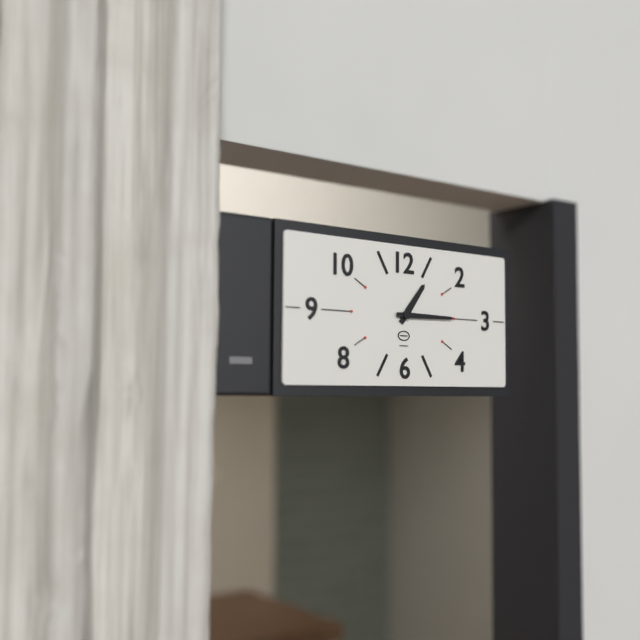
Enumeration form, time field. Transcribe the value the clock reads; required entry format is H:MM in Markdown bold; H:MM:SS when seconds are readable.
**1:15**
